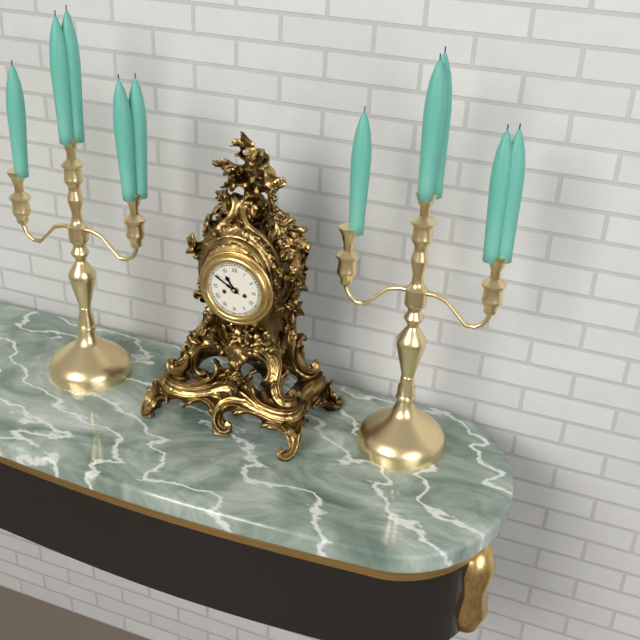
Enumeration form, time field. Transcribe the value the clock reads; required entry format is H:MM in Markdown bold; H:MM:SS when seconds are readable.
**10:50**
